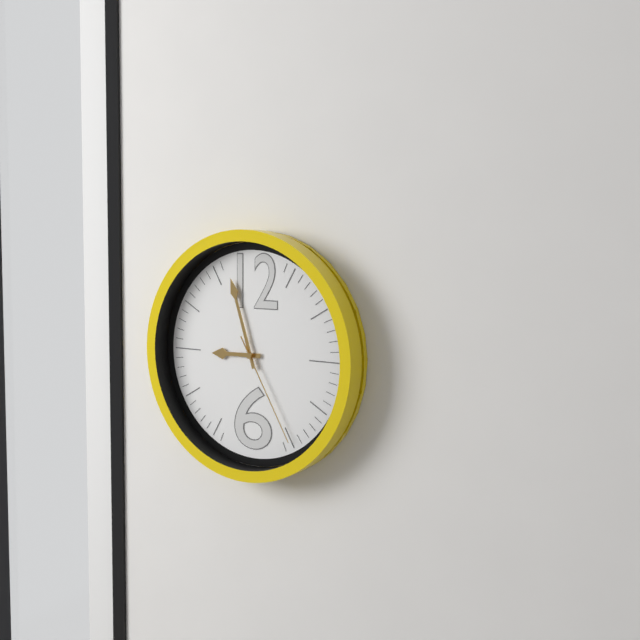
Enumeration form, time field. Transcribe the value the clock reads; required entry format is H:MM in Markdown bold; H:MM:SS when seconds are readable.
**8:57:25**
